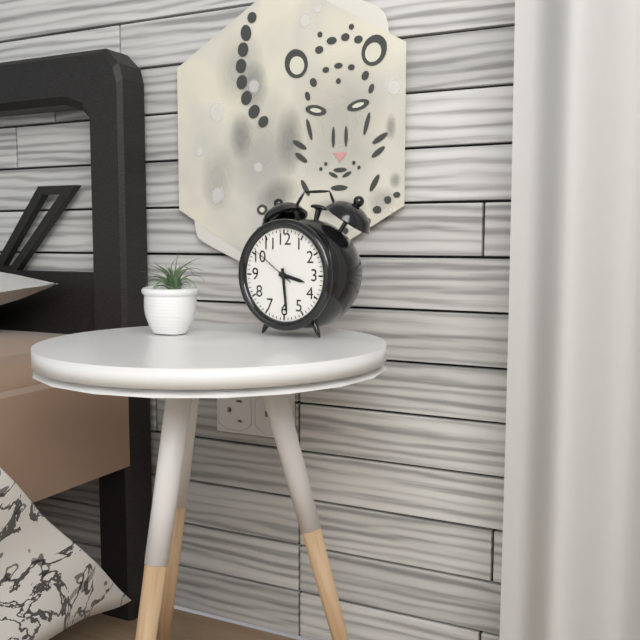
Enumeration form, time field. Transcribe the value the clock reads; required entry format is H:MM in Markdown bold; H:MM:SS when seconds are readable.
**3:29**
